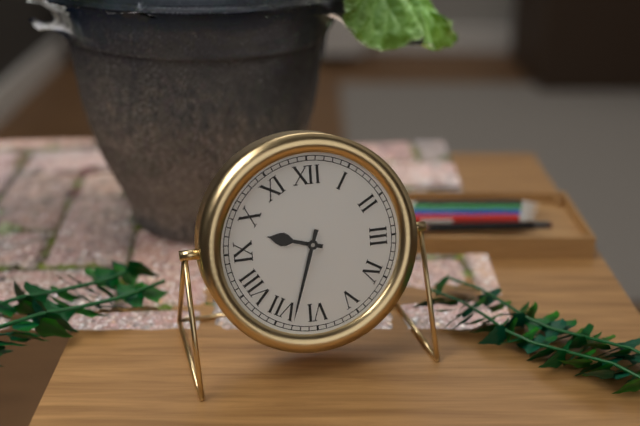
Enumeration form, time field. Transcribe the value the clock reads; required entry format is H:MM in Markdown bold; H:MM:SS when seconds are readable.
**9:33**
